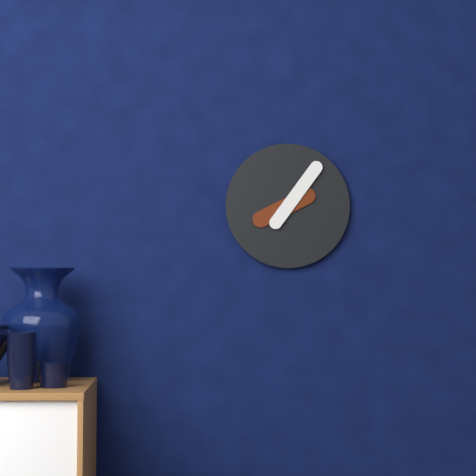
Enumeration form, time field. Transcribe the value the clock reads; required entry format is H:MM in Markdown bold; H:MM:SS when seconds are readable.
**8:06**
